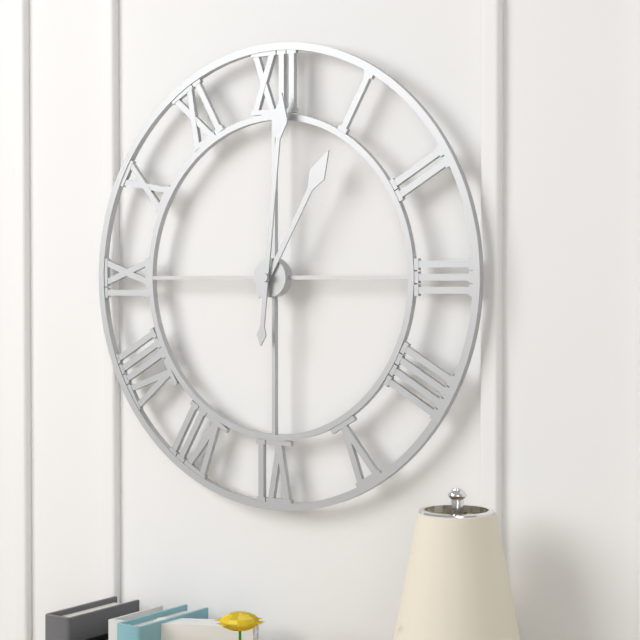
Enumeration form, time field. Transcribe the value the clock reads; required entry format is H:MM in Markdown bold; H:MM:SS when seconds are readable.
**1:01**
